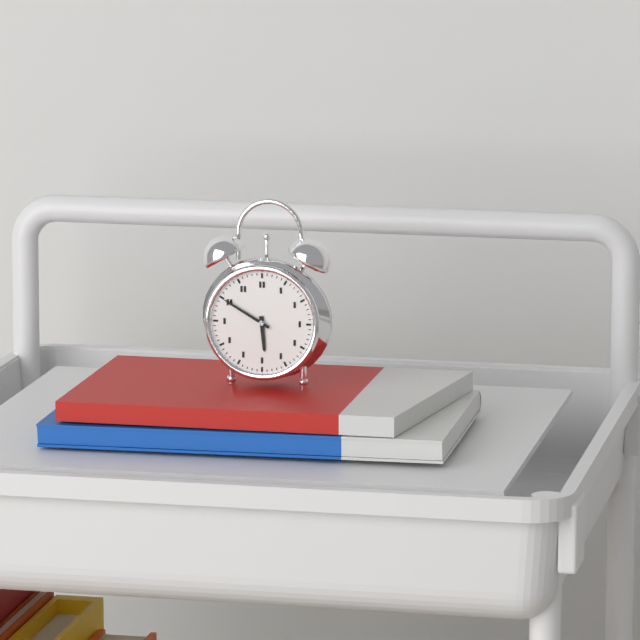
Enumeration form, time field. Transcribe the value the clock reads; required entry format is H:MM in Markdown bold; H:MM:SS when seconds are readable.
**5:50**
